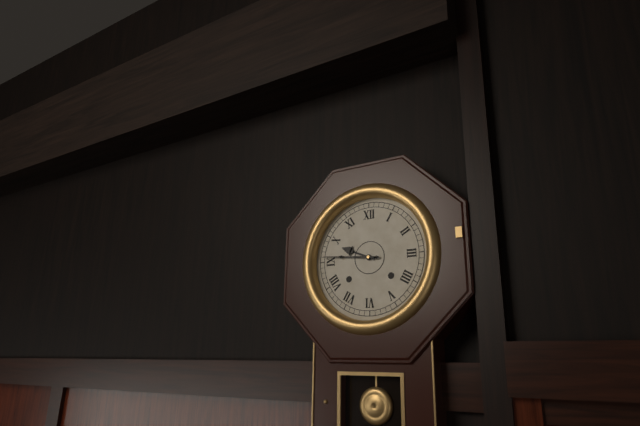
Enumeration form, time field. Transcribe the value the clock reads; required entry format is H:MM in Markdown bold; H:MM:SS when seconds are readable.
**9:46**
